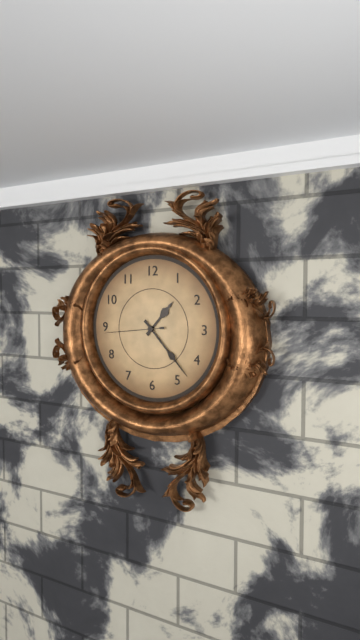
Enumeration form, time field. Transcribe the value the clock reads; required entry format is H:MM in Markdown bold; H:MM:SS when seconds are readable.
**1:23:44**
